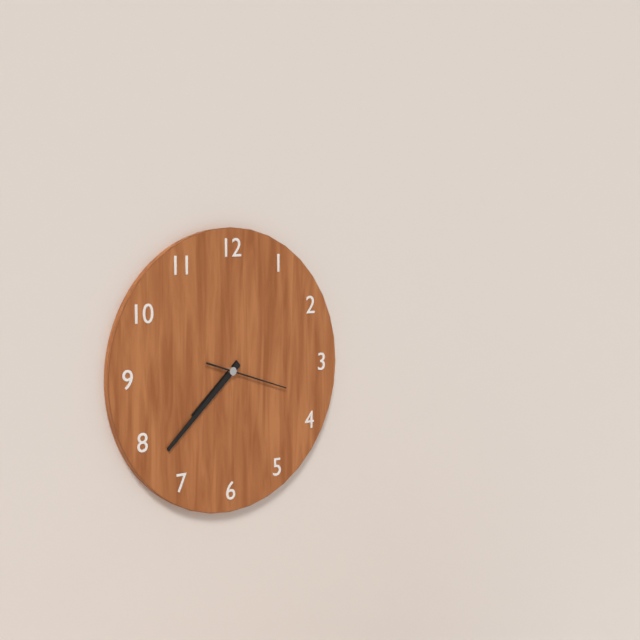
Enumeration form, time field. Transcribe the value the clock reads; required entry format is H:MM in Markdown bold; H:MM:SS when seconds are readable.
**7:38:18**
